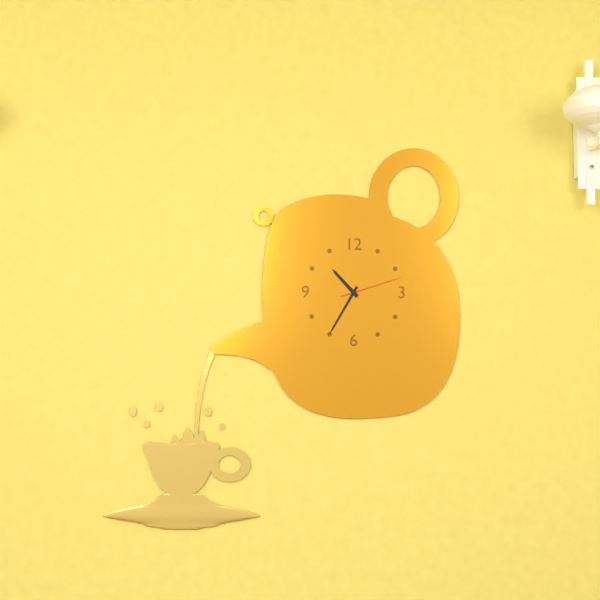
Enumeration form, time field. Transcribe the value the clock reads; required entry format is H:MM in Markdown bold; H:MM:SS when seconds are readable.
**10:35:12**
